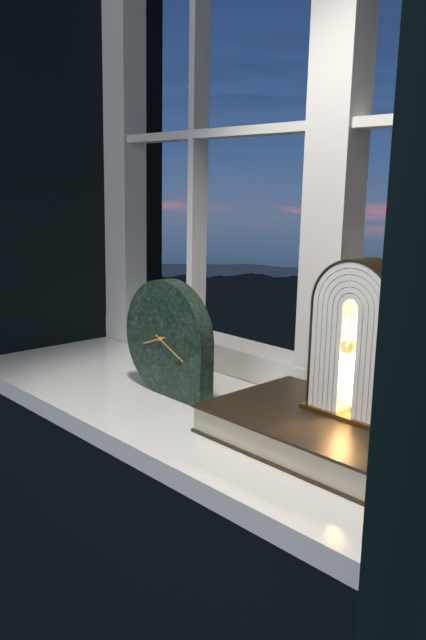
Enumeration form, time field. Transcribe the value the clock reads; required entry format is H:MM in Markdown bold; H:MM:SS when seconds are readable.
**8:19**
